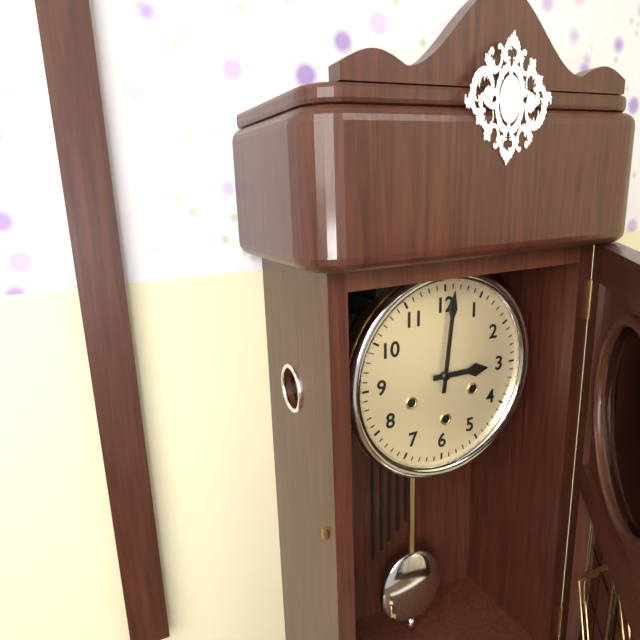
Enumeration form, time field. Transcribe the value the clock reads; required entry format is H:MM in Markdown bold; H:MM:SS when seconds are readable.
**3:01**
